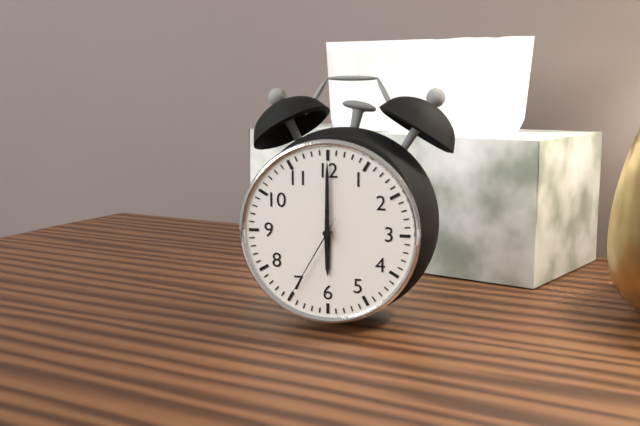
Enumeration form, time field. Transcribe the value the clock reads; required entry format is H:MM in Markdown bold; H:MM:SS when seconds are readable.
**6:00:35**
